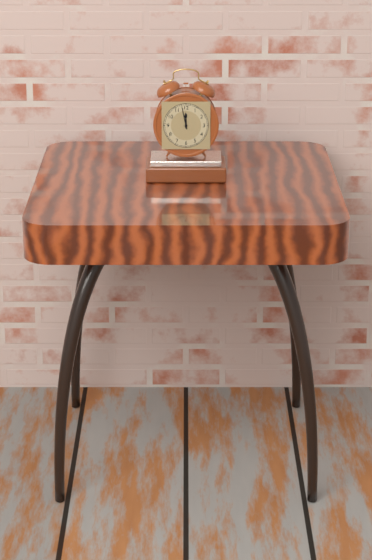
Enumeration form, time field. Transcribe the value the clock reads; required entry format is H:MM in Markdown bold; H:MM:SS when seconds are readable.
**11:58**
